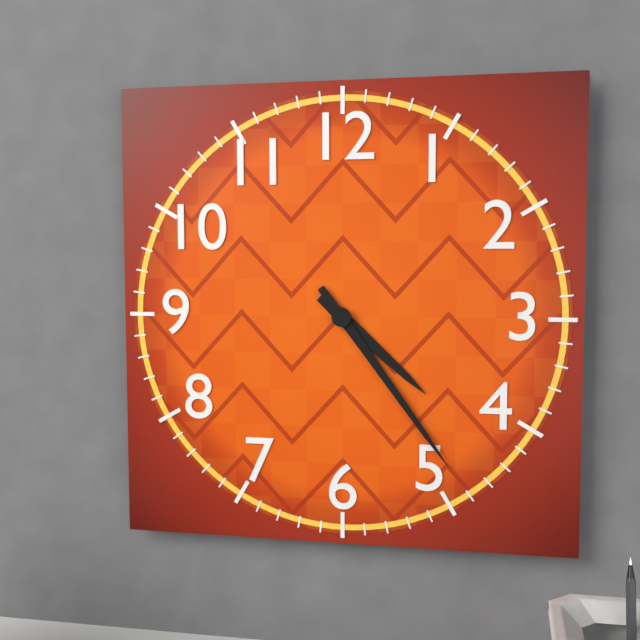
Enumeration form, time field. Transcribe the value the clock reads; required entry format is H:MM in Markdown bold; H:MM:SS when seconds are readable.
**4:24**
